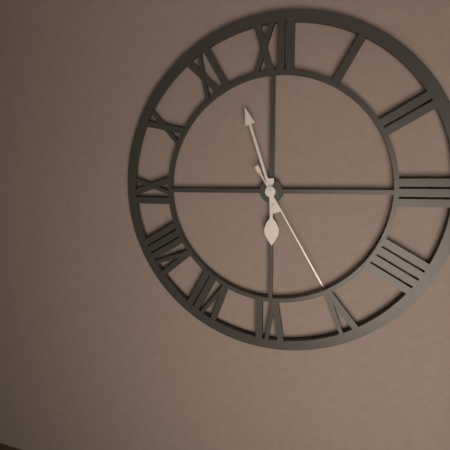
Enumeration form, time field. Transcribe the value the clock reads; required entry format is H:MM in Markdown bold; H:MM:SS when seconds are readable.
**5:57:25**
